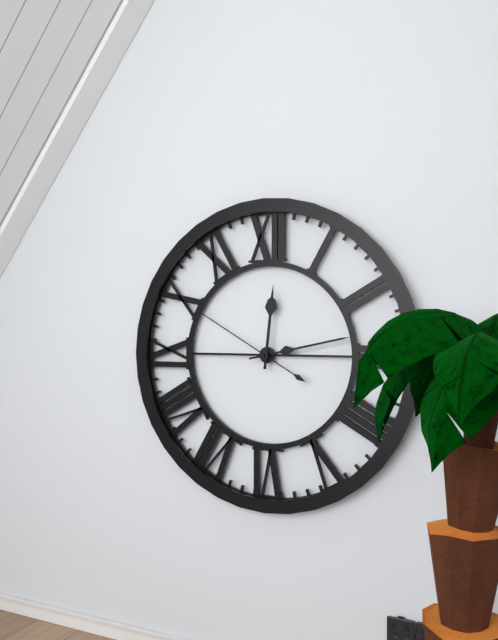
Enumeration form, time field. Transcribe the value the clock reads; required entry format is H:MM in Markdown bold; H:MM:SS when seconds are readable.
**12:13:50**
